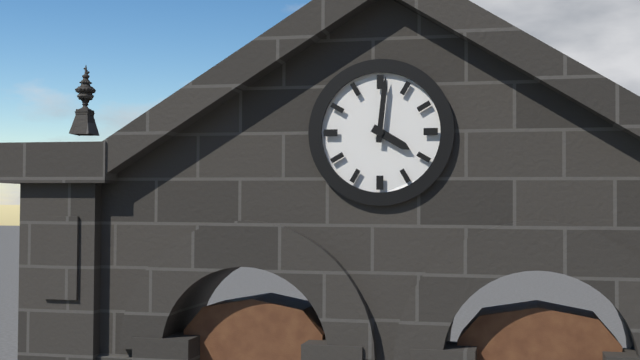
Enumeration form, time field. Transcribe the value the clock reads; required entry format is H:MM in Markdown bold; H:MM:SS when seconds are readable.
**4:01**
